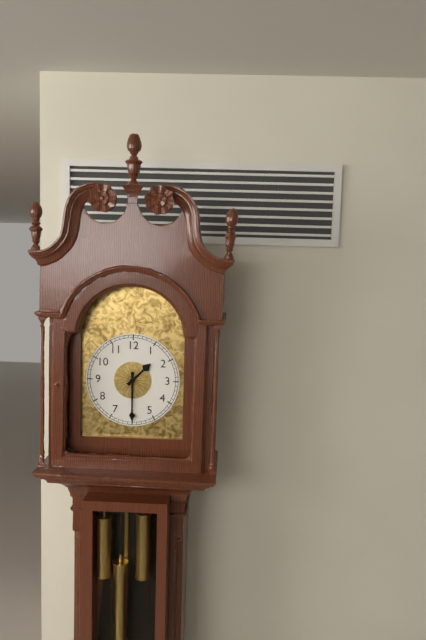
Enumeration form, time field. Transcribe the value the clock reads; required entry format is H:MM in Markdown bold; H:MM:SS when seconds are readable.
**1:30**
